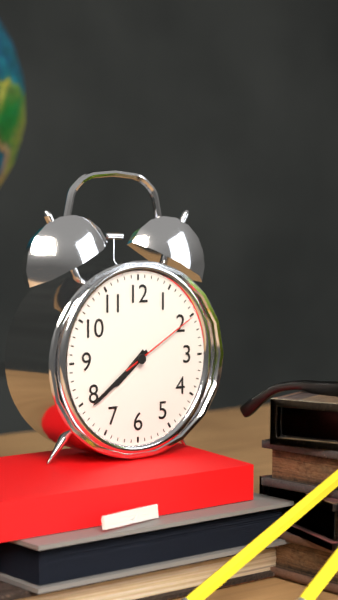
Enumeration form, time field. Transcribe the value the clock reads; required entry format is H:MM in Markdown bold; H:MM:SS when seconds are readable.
**7:39:10**
